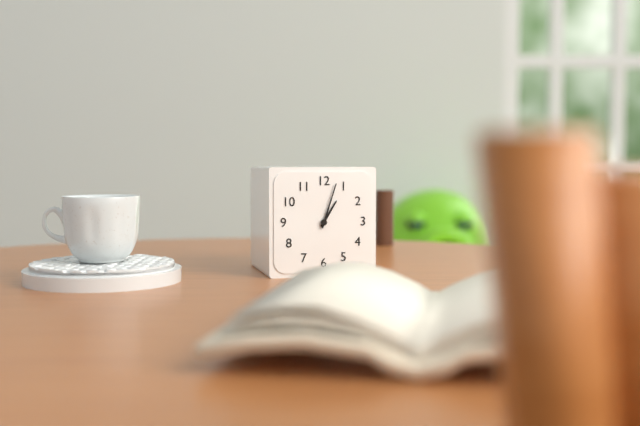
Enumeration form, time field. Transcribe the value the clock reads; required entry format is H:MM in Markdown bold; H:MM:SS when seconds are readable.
**1:03**
